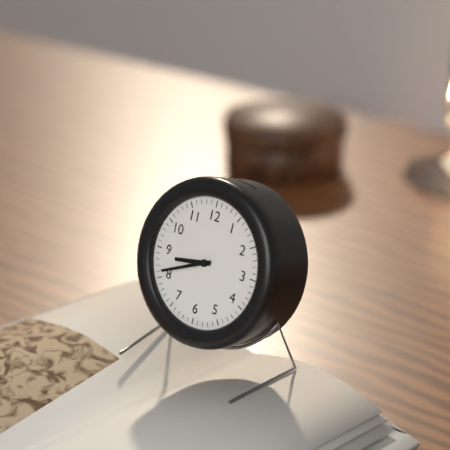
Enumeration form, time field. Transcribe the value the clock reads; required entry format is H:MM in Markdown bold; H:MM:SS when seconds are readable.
**8:41**
